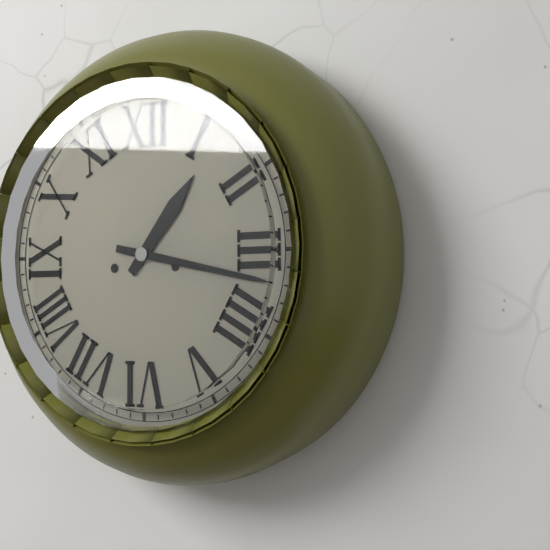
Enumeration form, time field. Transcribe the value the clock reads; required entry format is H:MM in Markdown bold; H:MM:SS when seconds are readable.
**1:17**
